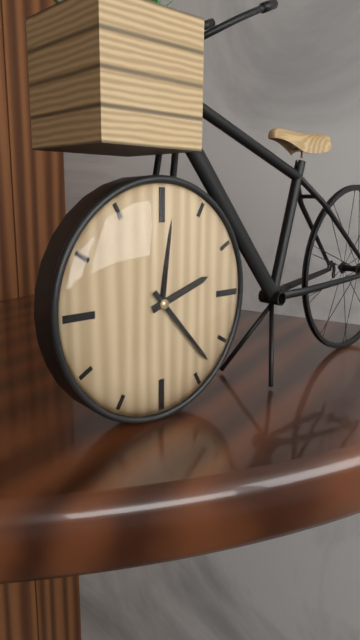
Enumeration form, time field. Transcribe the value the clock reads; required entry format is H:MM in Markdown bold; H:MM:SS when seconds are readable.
**2:23**
